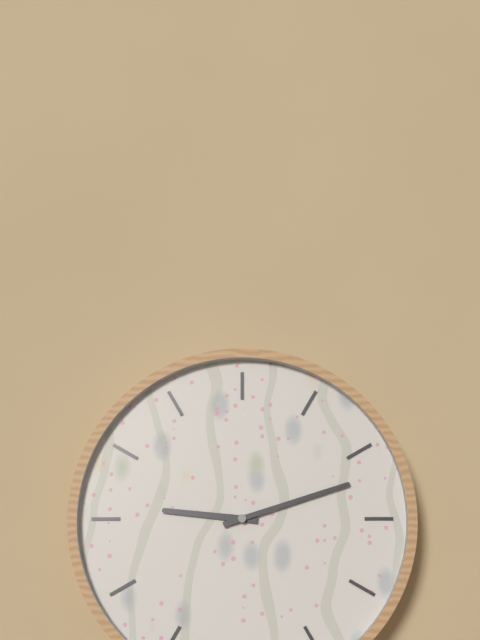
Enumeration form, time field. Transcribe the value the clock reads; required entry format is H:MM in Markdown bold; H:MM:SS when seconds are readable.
**9:12**
